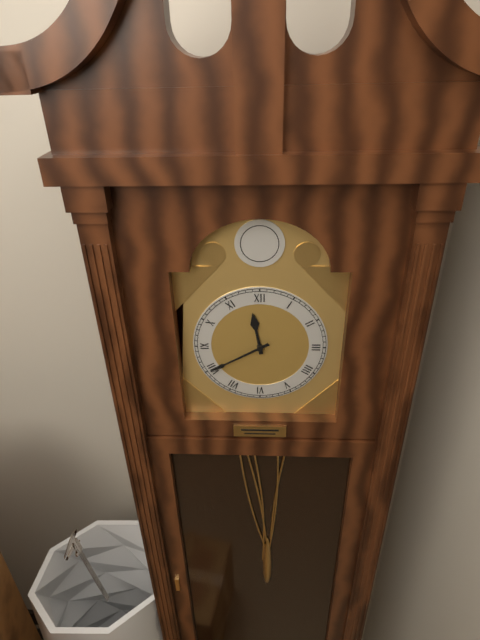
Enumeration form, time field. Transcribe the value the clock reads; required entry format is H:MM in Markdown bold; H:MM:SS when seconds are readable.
**11:40**
